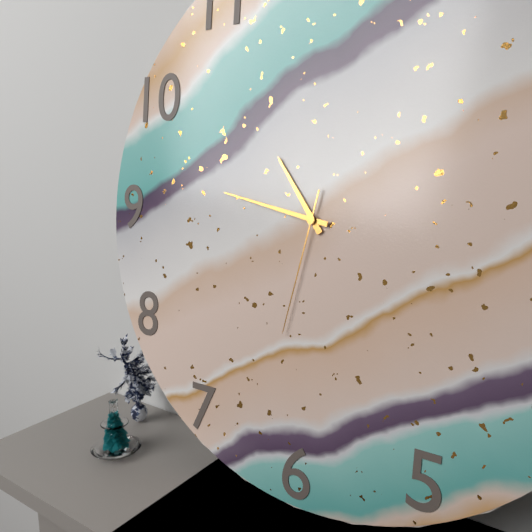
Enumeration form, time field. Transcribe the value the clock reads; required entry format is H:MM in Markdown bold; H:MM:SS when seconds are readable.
**10:47:32**
